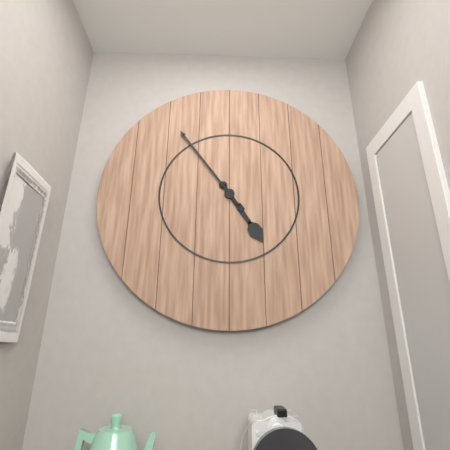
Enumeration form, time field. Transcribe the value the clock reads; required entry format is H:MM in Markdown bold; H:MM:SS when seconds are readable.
**4:54**
